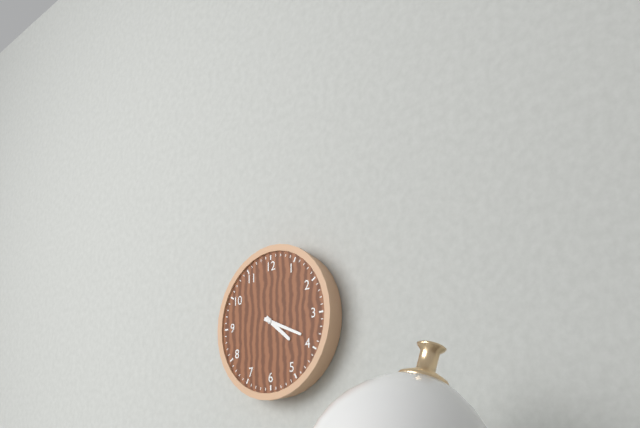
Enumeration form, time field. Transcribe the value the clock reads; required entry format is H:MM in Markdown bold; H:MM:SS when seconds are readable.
**4:19**
